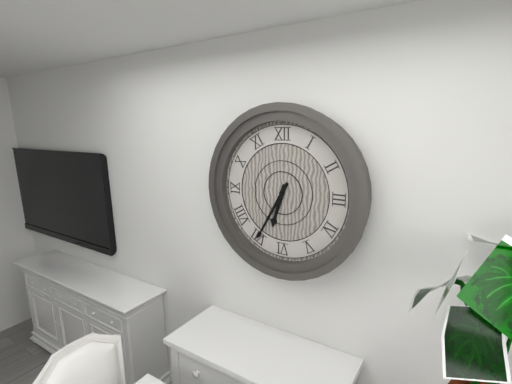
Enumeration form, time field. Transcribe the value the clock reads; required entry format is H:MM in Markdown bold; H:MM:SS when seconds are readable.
**6:35**
